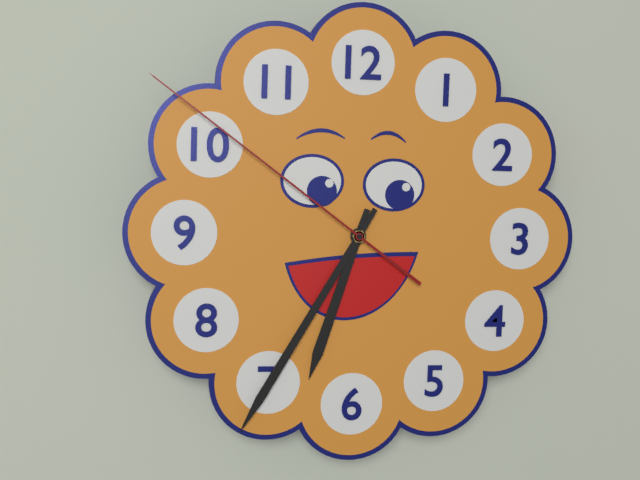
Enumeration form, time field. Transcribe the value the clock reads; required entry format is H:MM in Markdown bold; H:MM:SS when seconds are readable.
**6:35:51**
